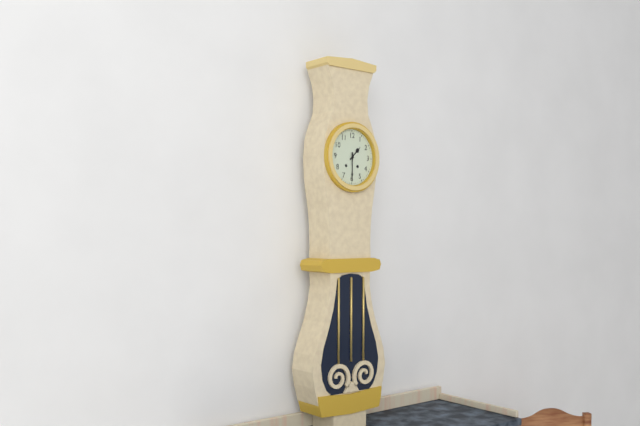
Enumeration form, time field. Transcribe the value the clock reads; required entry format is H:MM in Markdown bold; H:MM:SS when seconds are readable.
**1:30**
